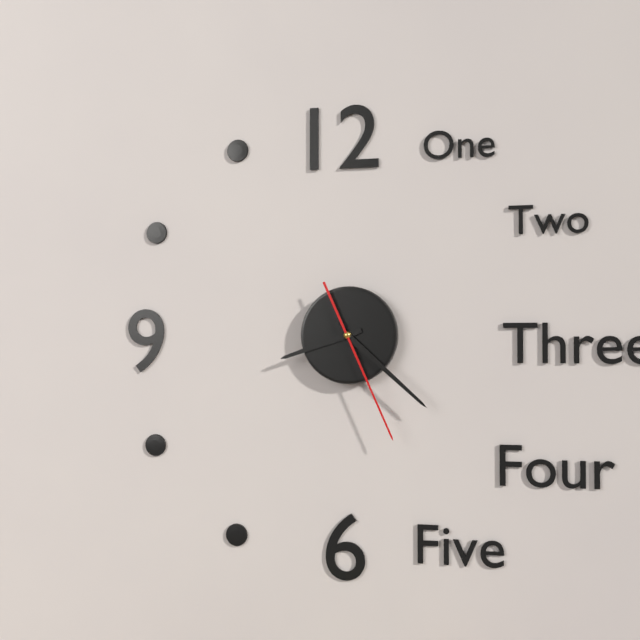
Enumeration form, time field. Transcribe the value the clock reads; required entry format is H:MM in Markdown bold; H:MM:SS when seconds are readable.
**8:22:26**
